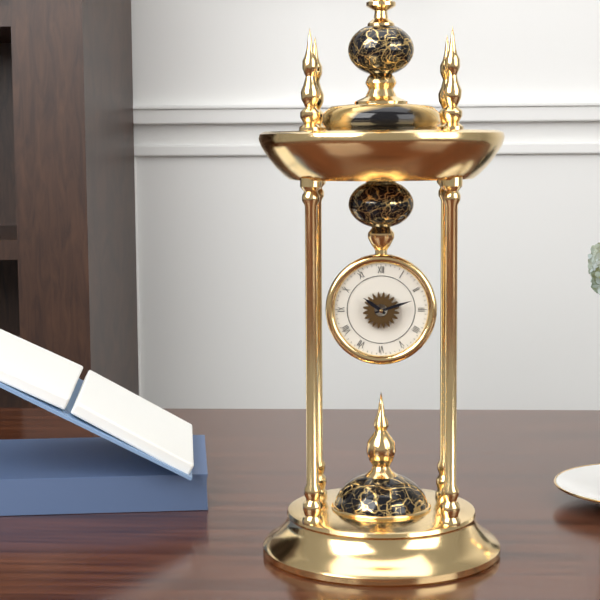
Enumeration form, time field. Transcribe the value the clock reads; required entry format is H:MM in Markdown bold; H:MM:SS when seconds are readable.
**10:12**
